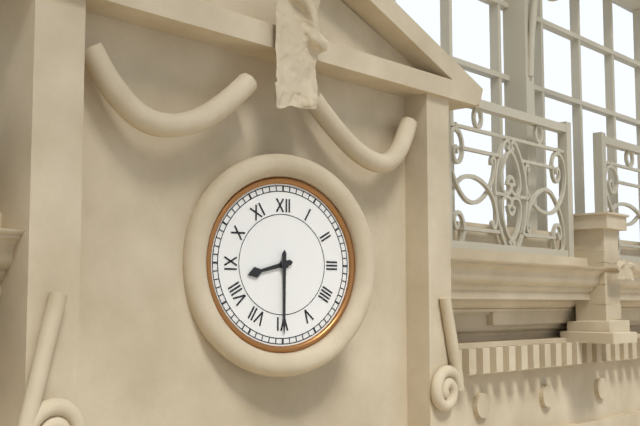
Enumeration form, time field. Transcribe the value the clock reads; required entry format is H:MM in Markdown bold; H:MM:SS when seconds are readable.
**8:30**
